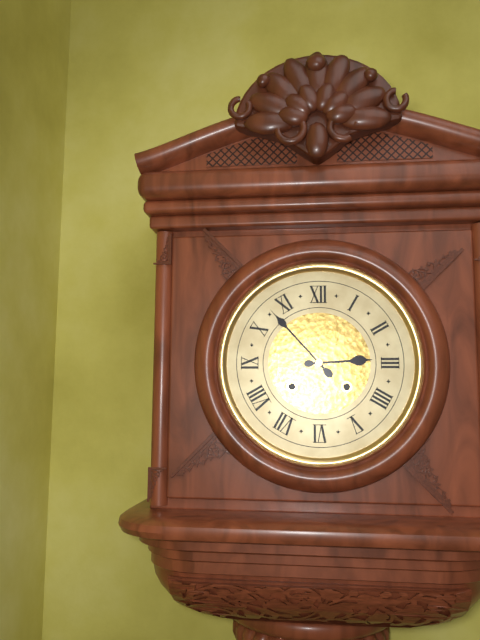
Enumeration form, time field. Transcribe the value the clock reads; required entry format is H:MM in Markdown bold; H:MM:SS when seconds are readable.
**2:53**
